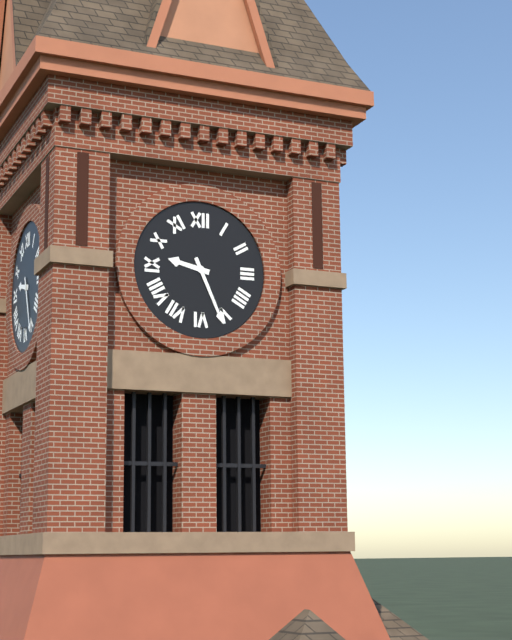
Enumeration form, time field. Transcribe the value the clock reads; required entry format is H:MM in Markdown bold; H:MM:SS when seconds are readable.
**9:26**
